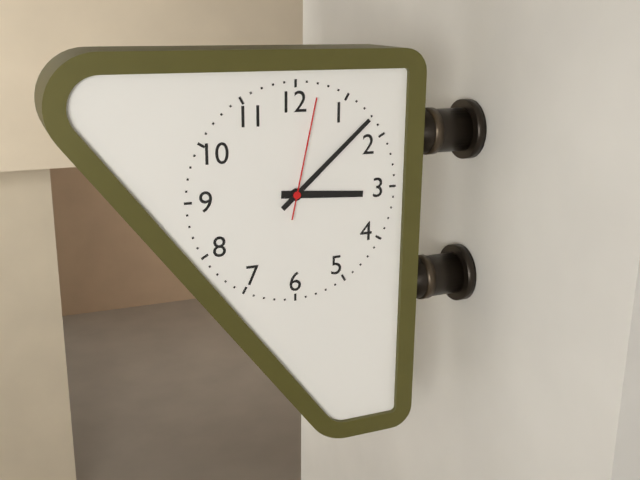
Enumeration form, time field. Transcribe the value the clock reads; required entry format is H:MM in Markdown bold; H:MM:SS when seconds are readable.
**3:08:02**
